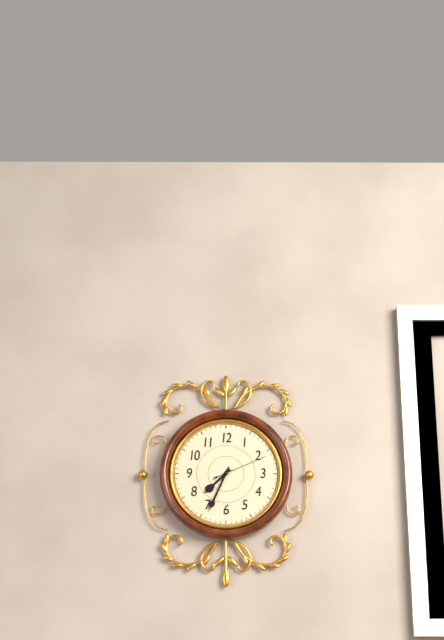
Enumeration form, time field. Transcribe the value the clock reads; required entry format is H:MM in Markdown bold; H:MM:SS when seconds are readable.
**7:34:11**
